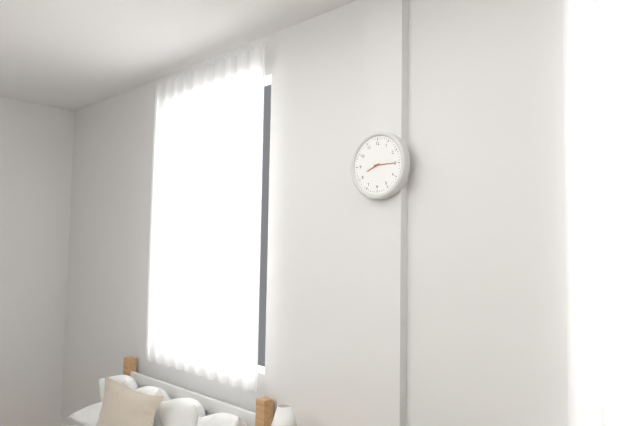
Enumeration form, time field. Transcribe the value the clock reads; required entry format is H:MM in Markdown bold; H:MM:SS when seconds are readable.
**8:15**
